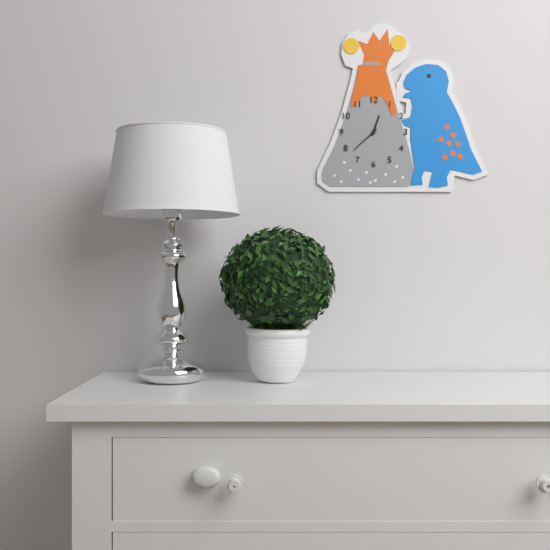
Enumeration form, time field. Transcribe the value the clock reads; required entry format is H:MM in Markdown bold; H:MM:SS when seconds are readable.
**12:38**
